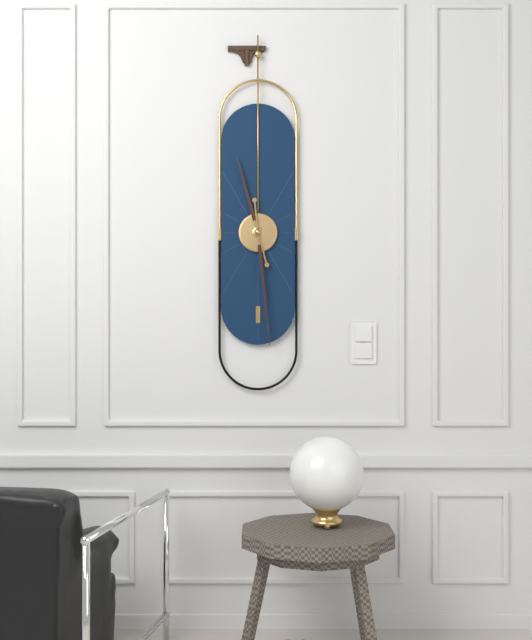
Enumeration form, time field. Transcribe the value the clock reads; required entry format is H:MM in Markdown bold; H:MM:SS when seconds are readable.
**11:29**
